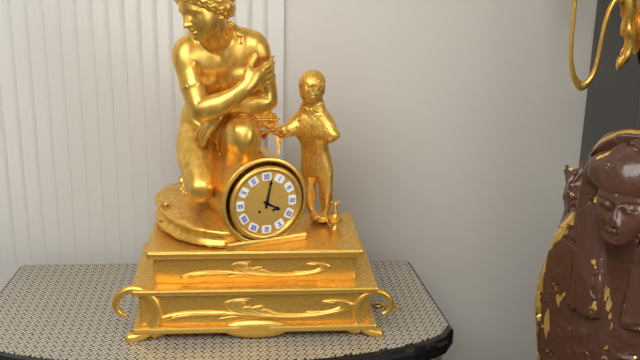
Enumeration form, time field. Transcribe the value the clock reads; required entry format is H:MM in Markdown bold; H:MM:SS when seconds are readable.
**4:02**
